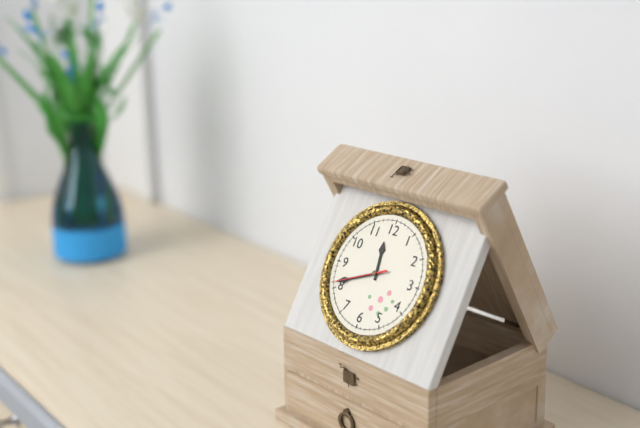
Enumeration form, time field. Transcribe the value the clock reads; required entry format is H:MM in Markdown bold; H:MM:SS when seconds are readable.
**11:41:41**
